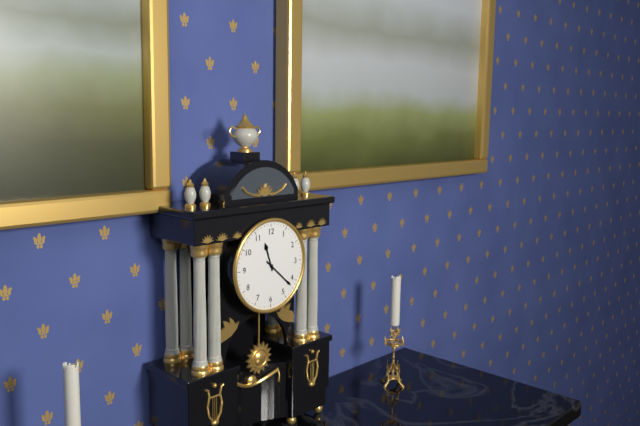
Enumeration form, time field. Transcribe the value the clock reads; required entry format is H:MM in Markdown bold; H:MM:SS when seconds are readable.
**11:22**
